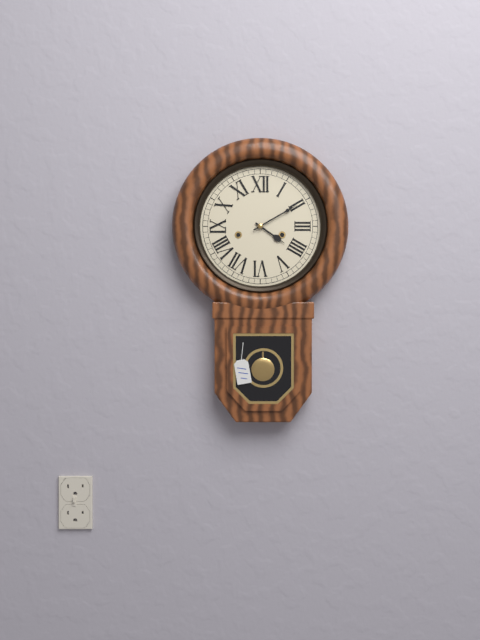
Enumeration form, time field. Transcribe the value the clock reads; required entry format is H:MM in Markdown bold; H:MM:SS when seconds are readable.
**4:10**
